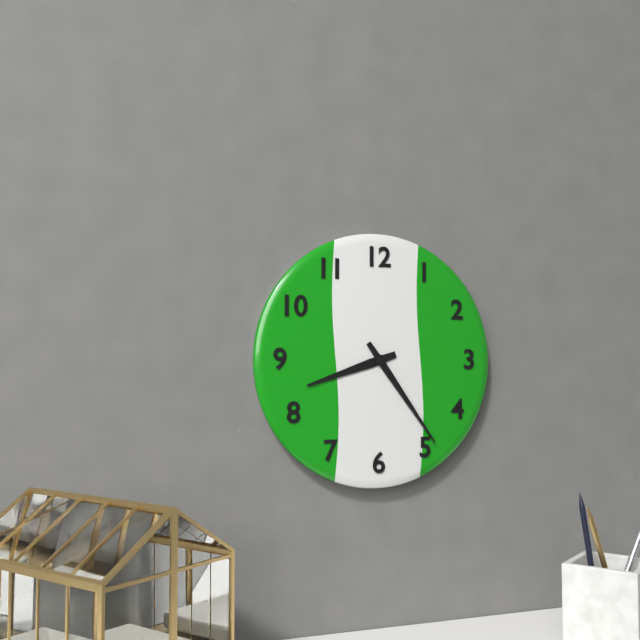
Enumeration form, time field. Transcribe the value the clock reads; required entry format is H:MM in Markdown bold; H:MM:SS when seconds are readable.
**8:24**
